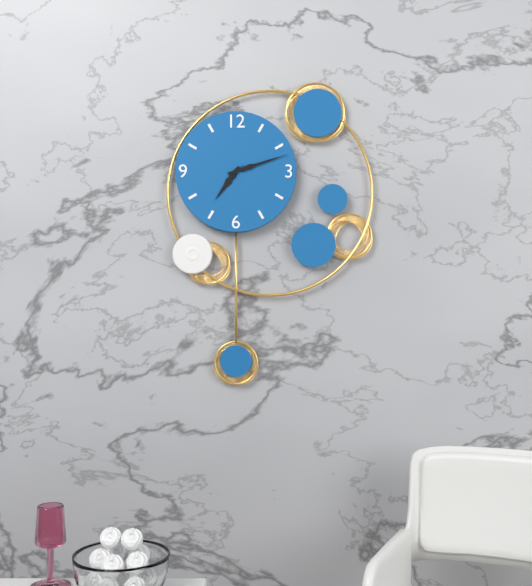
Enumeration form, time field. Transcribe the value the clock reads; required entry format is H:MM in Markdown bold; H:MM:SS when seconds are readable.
**7:12**
